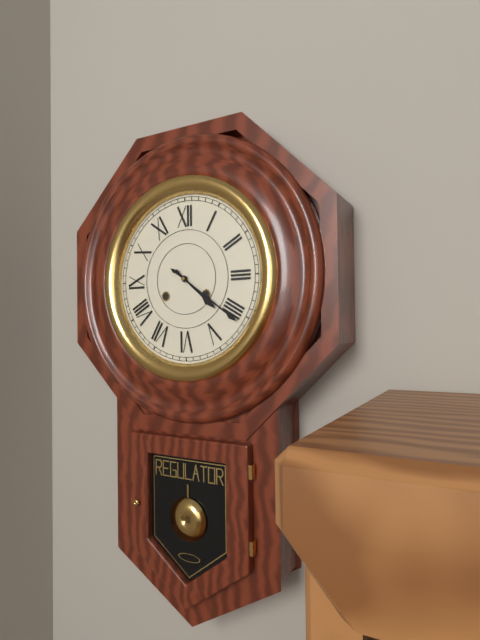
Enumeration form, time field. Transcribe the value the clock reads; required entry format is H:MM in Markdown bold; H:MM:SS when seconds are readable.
**4:21**
